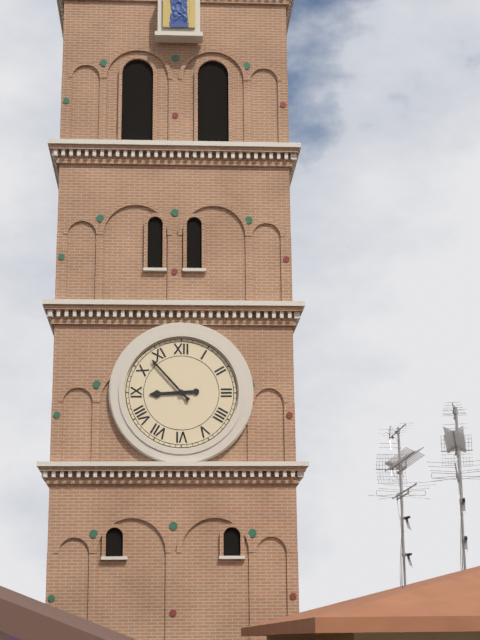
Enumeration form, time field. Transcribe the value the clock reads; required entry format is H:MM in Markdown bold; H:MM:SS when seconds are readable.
**8:53**
